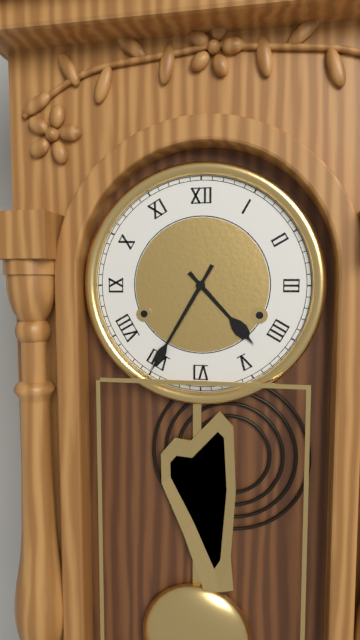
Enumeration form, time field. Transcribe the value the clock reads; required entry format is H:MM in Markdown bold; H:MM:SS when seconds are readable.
**4:35**
